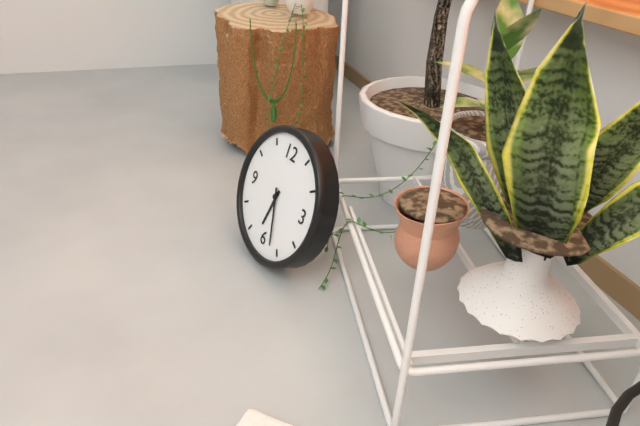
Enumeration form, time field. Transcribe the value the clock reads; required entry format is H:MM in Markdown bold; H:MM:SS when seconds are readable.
**6:27**
